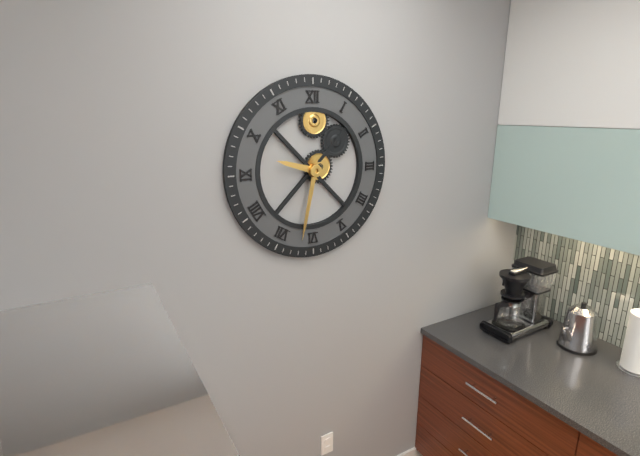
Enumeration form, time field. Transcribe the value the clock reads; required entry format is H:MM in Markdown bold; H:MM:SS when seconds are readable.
**9:32**
